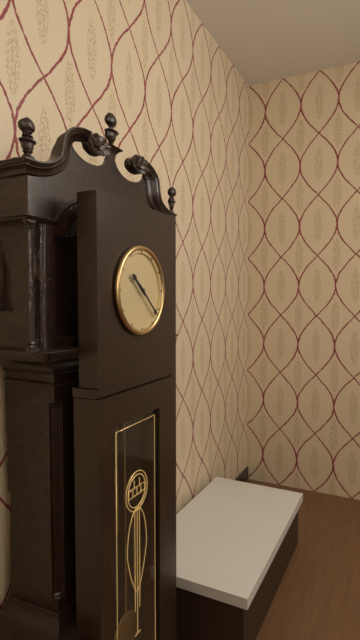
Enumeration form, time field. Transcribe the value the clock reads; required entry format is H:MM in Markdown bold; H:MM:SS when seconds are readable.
**10:22**
